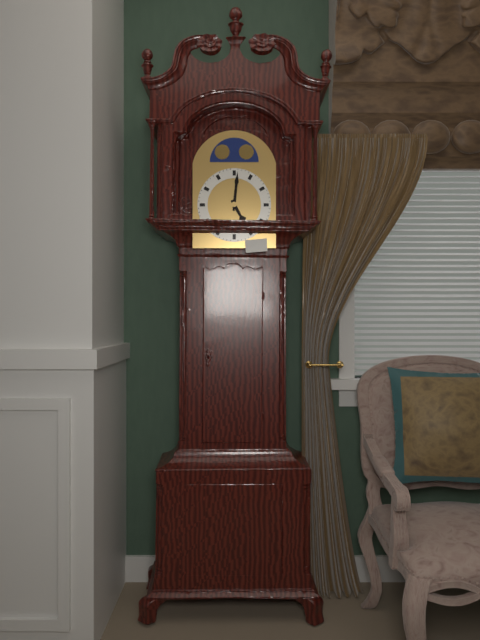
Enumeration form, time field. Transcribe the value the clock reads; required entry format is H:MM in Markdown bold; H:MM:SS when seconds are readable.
**5:01**
